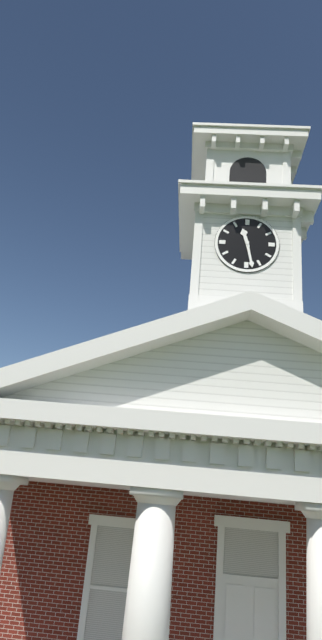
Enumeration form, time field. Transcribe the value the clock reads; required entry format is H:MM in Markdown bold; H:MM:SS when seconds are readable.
**11:28**
